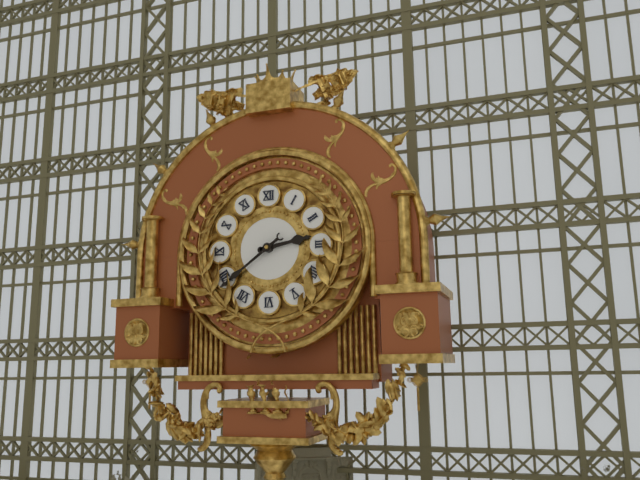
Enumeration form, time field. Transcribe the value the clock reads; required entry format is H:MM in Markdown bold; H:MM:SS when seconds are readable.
**2:39**
